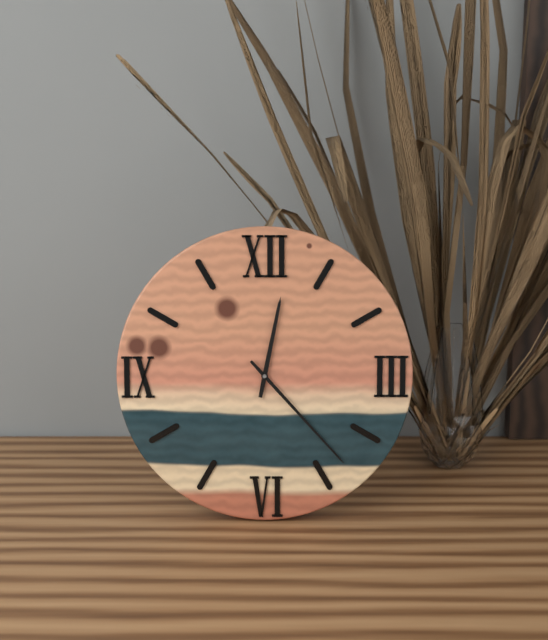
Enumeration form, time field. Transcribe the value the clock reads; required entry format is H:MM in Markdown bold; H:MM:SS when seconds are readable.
**12:23**
